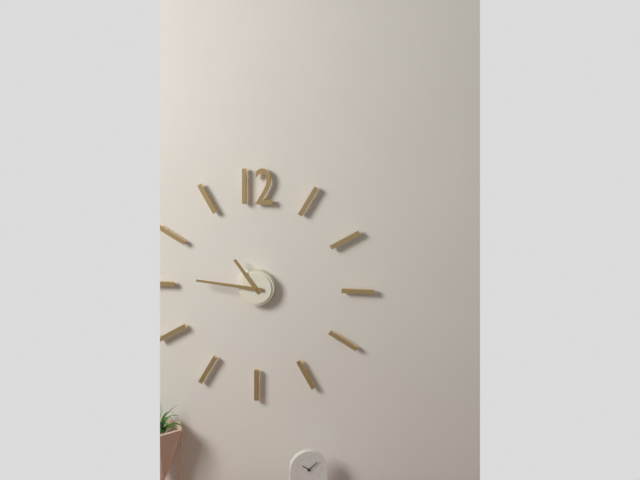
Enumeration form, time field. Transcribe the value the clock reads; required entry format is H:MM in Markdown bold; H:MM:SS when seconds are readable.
**10:46**
